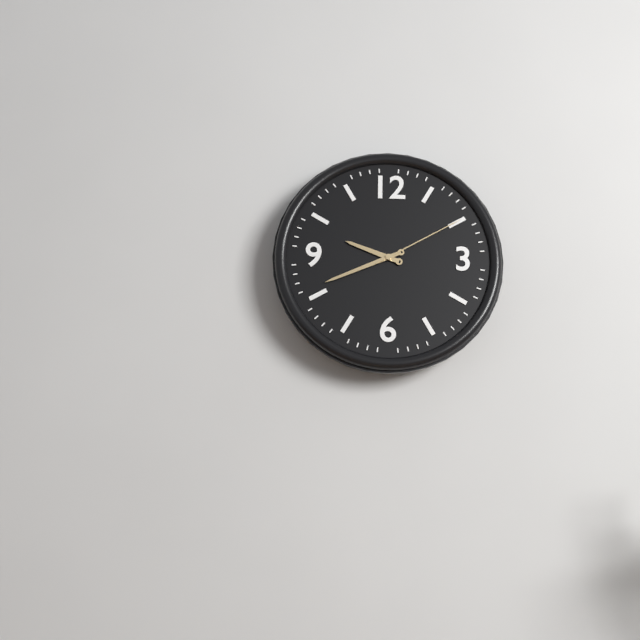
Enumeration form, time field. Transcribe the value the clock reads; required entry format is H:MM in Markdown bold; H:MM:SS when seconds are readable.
**9:41:10**
